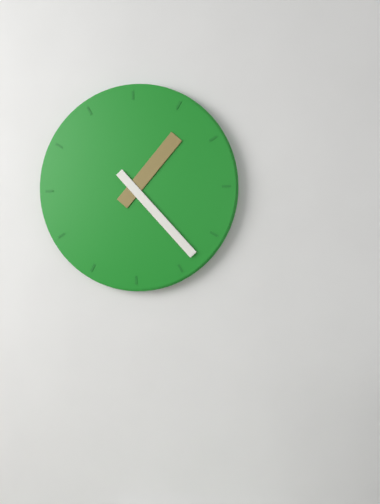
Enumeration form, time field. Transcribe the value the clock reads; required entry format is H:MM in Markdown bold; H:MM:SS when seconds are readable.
**1:23**
